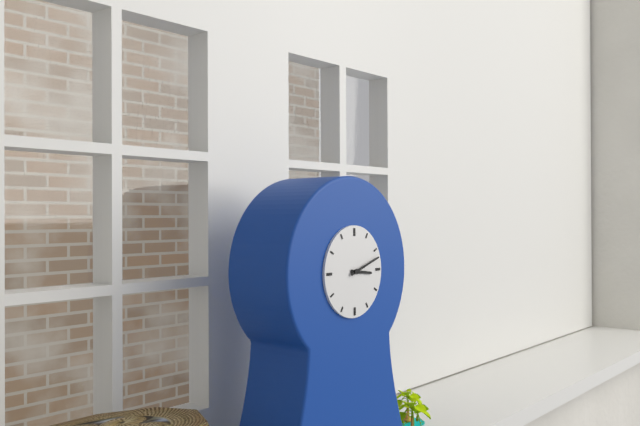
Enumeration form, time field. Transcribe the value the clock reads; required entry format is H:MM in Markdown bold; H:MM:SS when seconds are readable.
**3:12**
